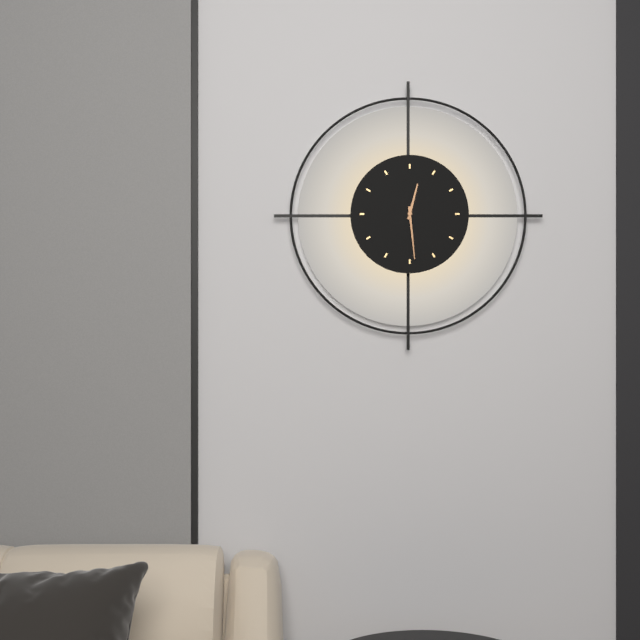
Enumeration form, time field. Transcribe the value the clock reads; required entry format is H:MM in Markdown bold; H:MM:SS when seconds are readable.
**12:29**
